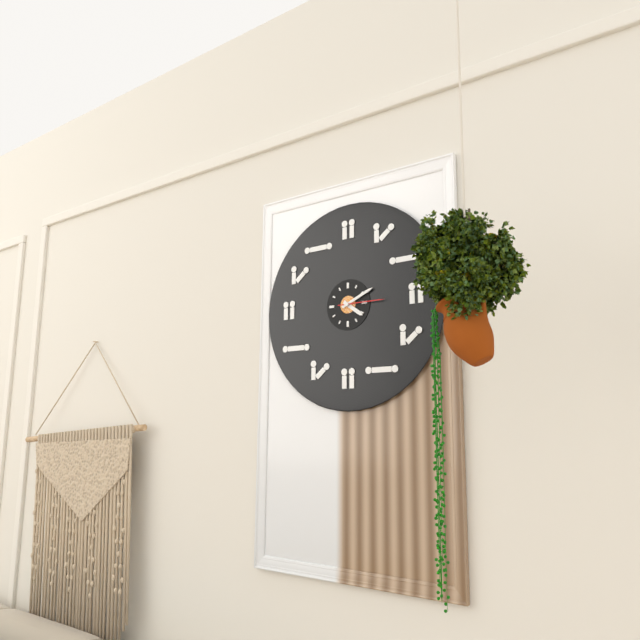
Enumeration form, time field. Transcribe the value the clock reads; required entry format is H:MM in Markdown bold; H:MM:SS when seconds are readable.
**4:11**
